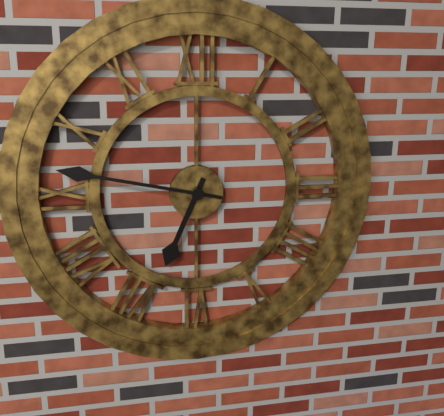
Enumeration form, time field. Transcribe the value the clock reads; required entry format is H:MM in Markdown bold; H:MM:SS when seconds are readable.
**6:47**
